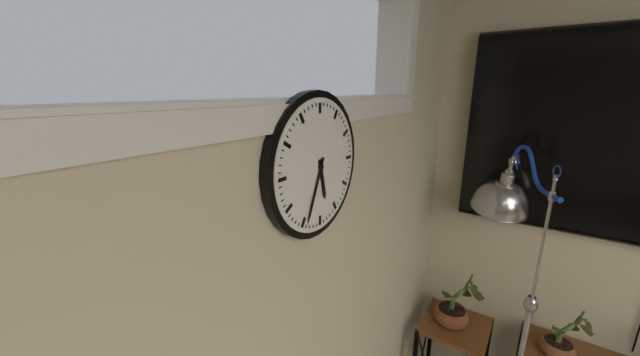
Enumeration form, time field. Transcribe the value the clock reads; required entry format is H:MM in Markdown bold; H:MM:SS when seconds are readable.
**5:34**
